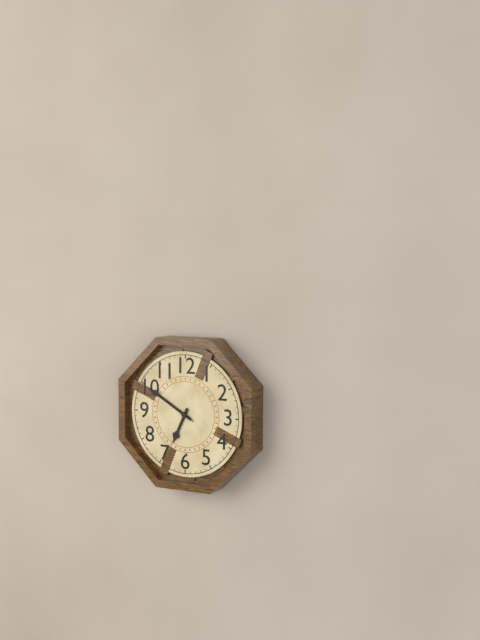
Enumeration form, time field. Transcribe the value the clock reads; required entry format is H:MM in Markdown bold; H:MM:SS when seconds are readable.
**6:50:50**
